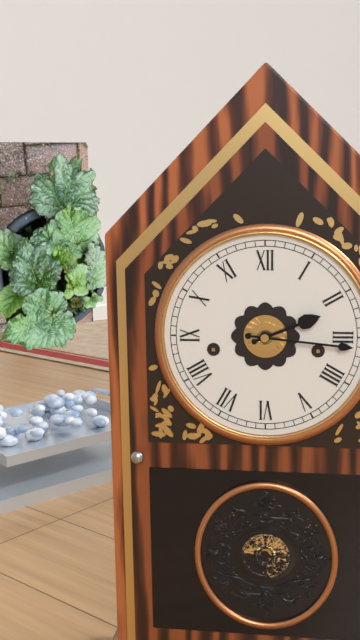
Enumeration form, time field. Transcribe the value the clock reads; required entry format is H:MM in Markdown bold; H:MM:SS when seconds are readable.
**2:16**
